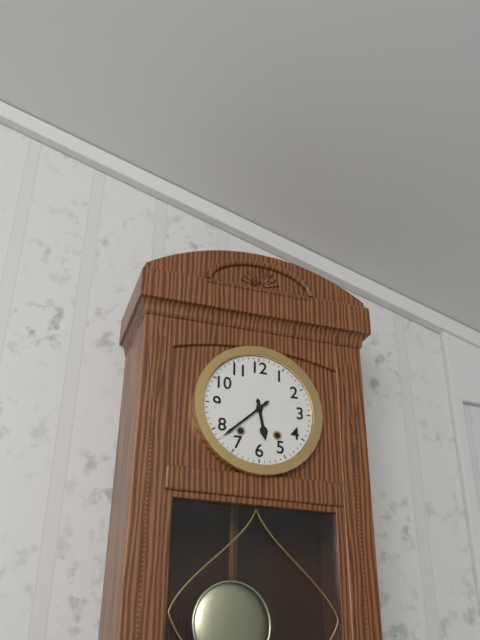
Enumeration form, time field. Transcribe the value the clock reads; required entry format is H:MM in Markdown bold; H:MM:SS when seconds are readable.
**5:38**
